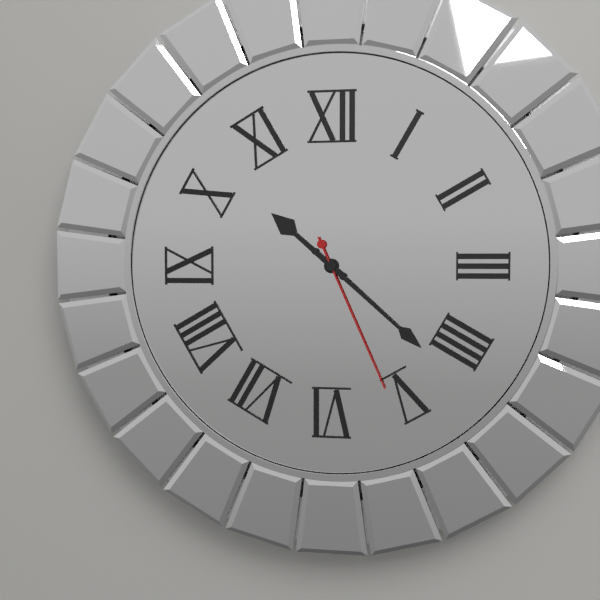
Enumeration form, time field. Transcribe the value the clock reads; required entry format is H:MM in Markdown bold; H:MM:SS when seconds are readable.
**10:22:26**
